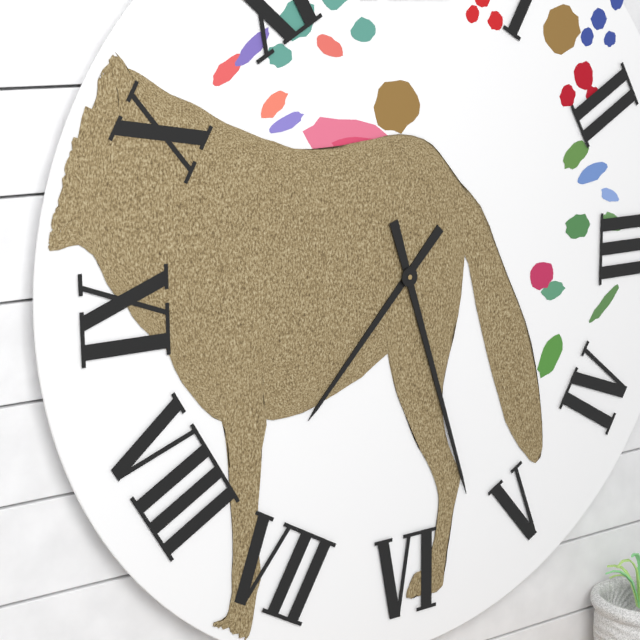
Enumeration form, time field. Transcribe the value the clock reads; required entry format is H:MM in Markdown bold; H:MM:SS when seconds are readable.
**7:27**
